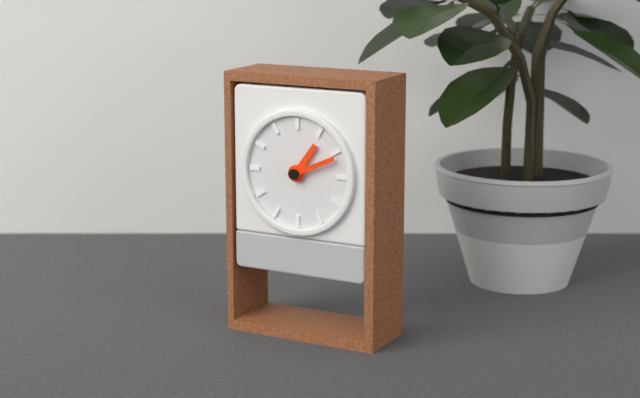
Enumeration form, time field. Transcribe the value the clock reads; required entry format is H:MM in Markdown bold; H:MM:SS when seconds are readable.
**1:11**
